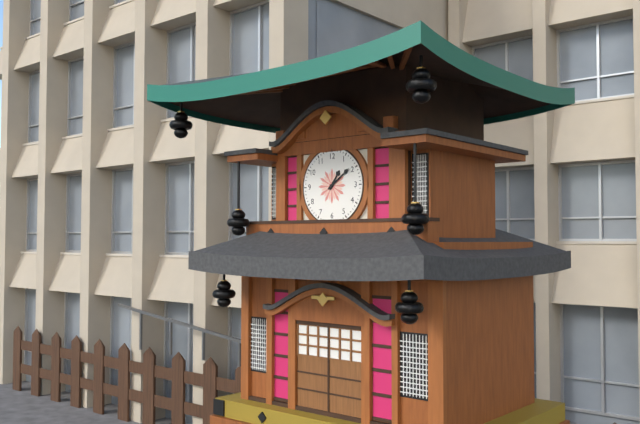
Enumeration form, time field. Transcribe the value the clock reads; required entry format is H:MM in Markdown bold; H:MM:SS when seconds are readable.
**1:09**
